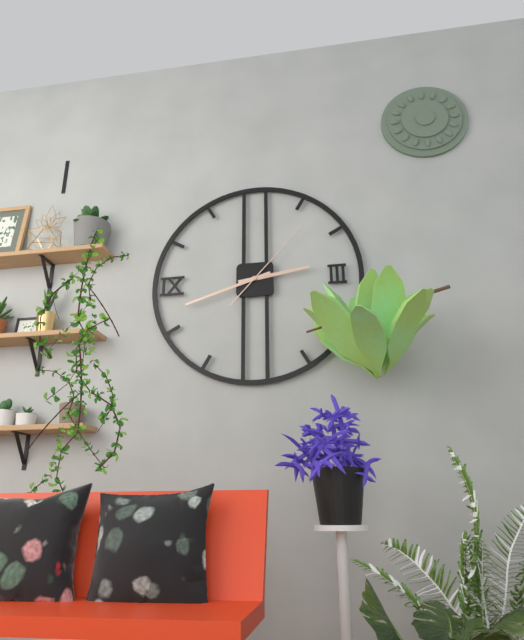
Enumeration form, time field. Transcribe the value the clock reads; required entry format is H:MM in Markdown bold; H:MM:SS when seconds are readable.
**2:42:07**
